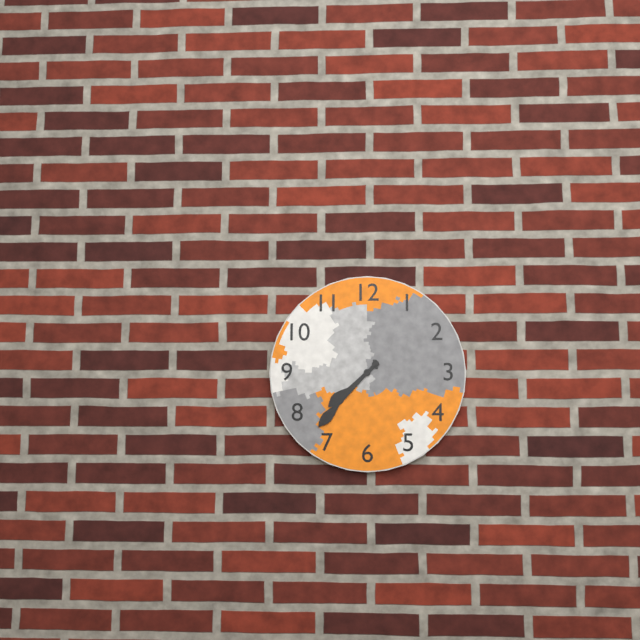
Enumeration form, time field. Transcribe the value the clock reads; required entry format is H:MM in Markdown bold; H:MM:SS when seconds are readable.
**7:37**
